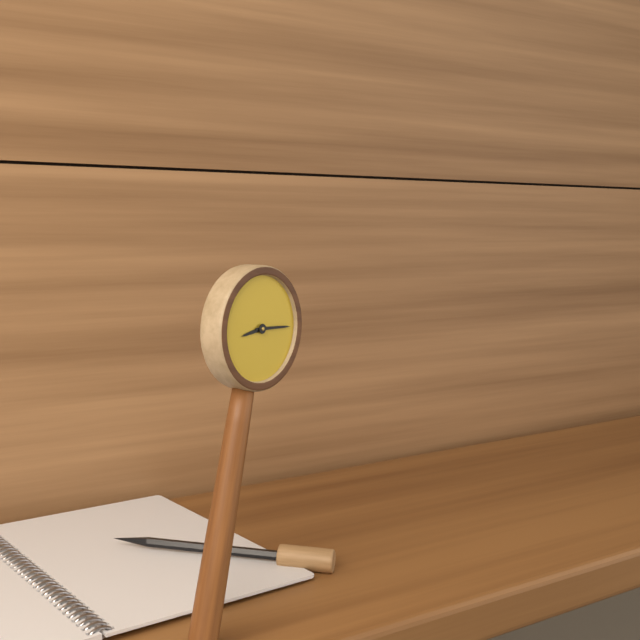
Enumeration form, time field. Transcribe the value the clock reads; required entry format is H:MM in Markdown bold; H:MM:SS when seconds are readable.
**8:13**
